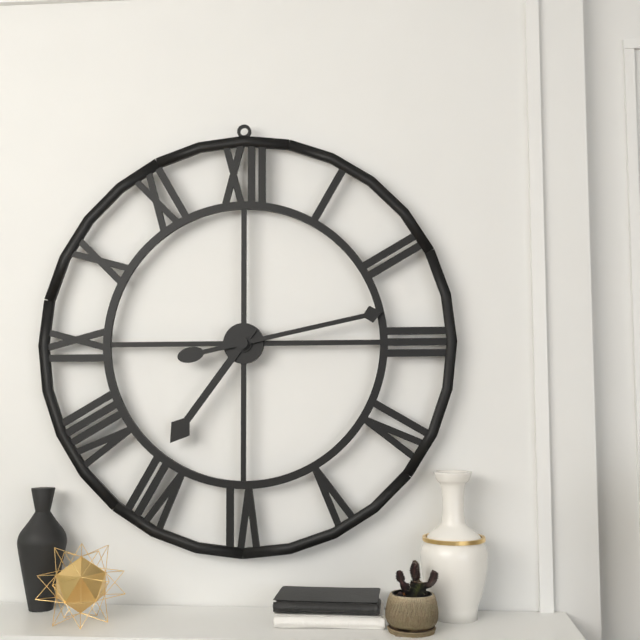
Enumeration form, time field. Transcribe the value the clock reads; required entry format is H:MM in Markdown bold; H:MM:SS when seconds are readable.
**7:13**
